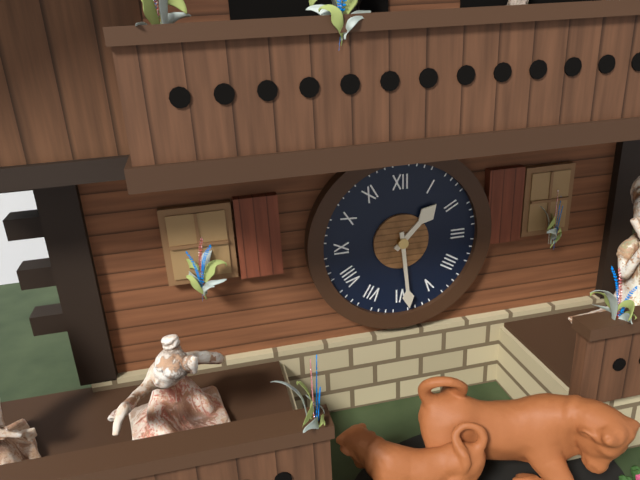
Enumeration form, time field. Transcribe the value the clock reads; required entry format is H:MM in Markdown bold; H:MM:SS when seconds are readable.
**1:29**
